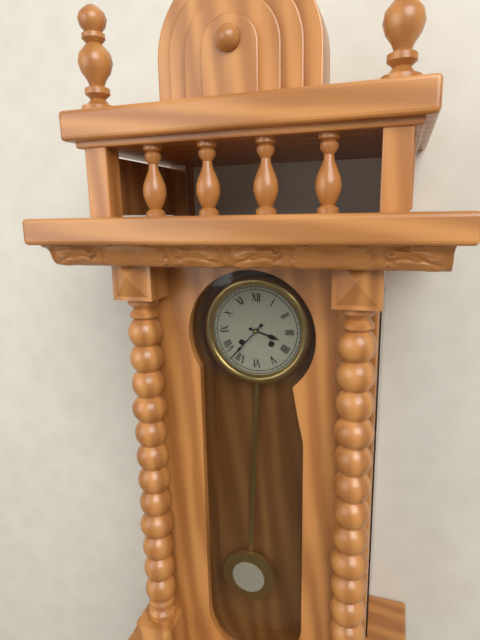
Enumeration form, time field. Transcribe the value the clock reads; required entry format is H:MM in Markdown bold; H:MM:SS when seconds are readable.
**3:37**
